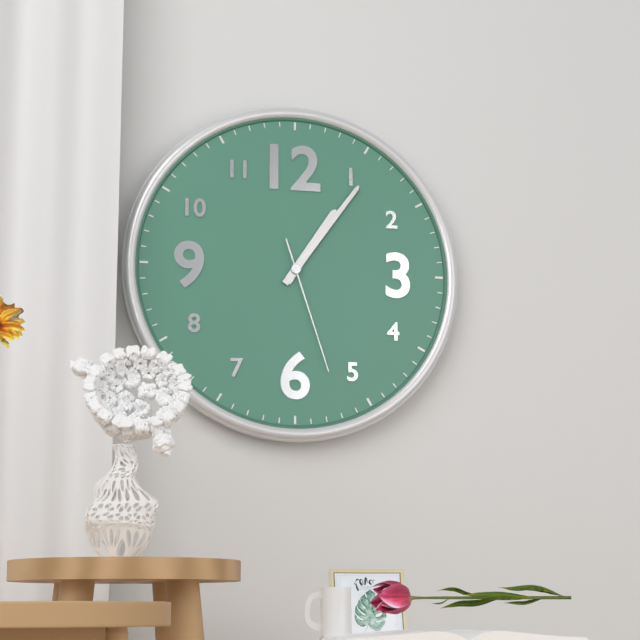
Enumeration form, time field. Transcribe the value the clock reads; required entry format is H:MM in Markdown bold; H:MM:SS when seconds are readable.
**1:06:27**
